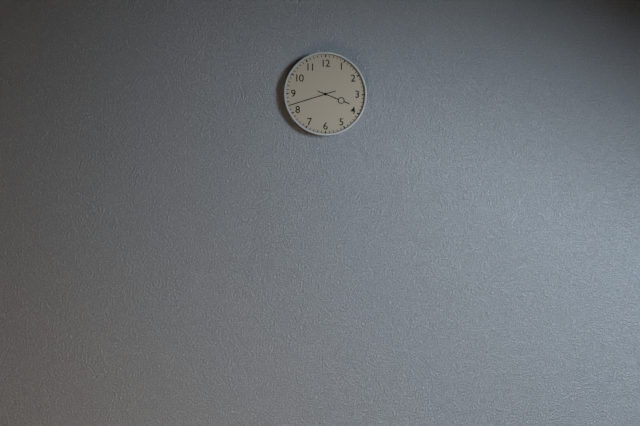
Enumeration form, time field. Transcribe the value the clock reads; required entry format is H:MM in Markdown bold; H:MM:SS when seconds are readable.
**3:42**
